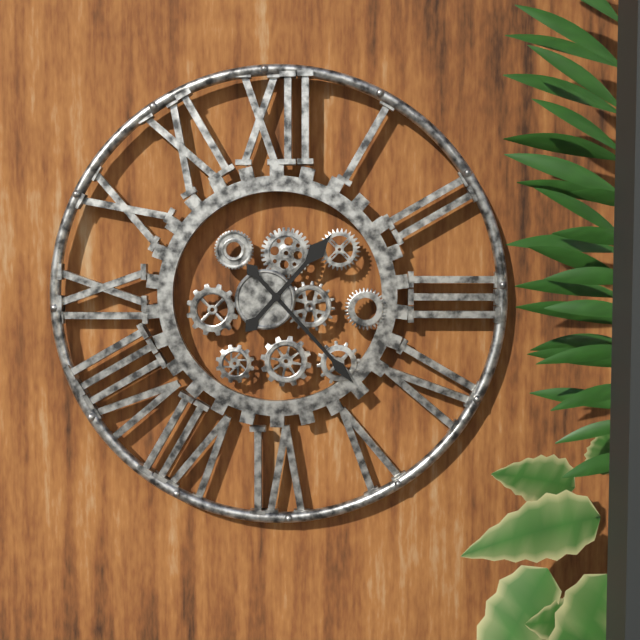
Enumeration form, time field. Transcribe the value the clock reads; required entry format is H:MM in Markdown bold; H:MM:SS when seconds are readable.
**1:23**
